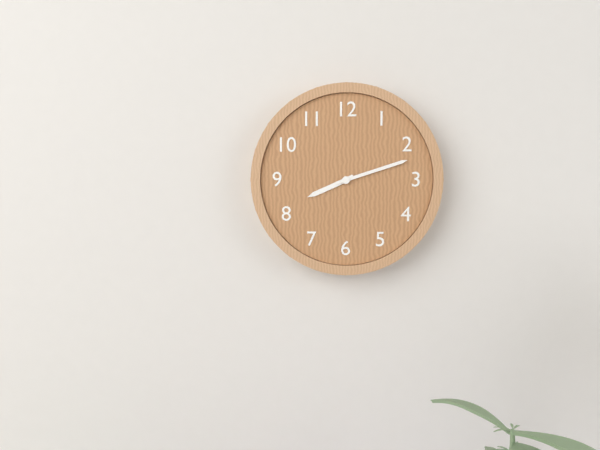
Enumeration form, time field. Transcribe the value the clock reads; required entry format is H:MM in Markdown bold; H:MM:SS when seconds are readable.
**8:12**
